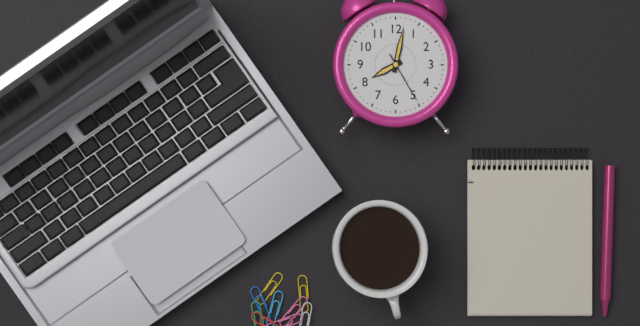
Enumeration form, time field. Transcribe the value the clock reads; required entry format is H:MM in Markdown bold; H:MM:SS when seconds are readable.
**8:02:25**
